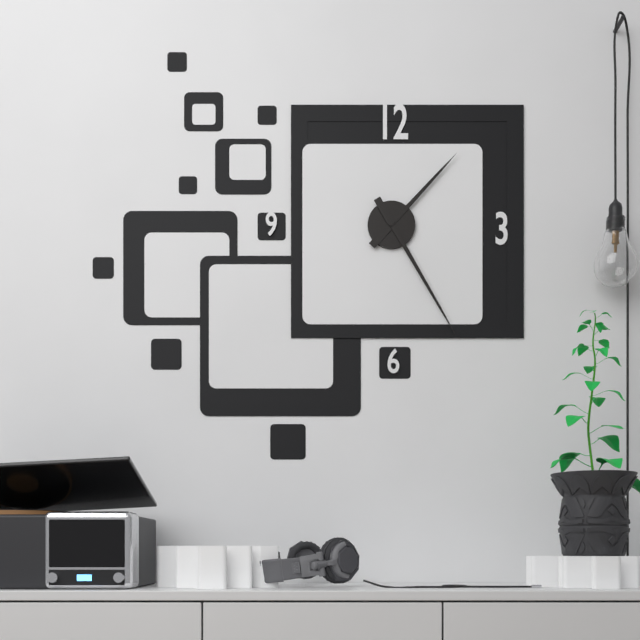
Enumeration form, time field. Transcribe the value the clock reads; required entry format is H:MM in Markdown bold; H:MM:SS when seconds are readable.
**1:25**
